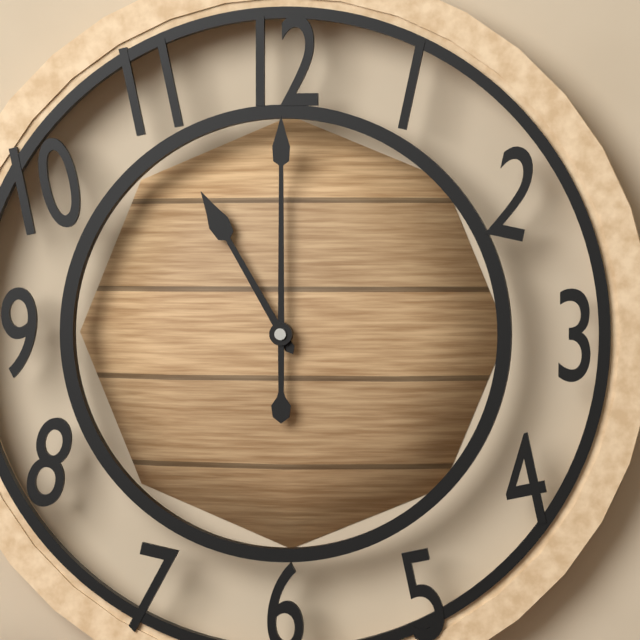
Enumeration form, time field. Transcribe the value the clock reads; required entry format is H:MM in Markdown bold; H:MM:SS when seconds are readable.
**11:00**
